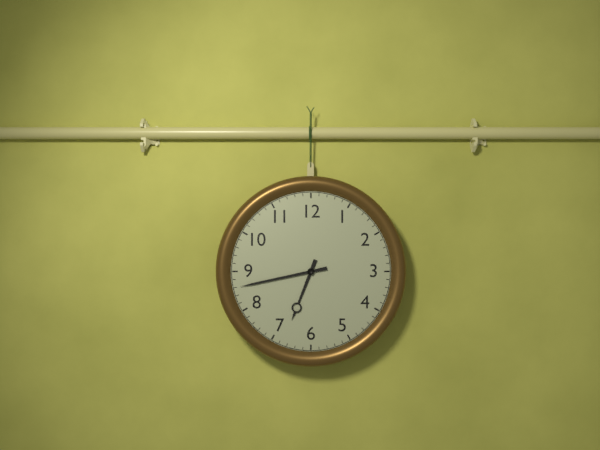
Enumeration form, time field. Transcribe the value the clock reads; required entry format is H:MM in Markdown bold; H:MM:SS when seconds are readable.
**6:43**
